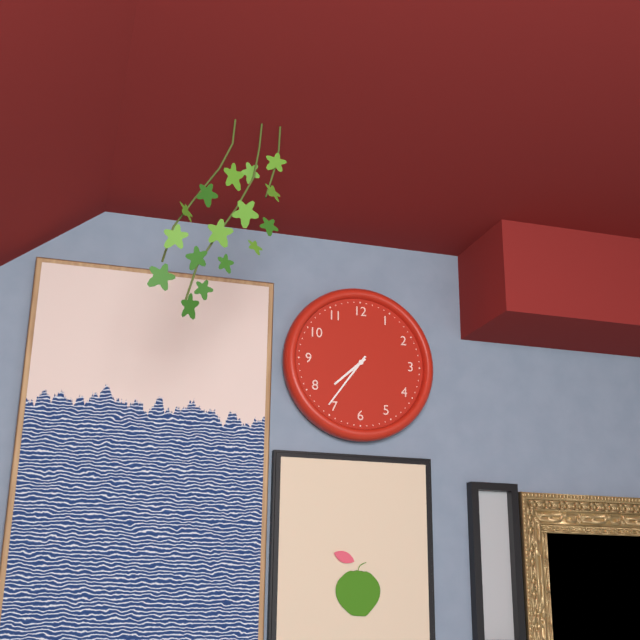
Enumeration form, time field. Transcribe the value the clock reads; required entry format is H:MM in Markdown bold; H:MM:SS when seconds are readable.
**7:36**
